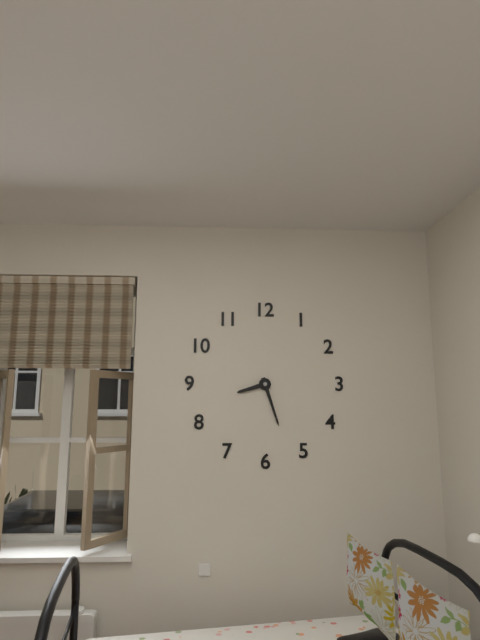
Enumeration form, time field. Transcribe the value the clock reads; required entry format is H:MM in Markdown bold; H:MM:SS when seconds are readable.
**8:27**
